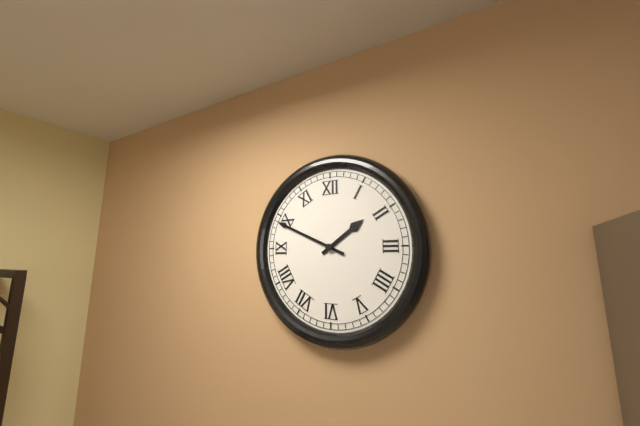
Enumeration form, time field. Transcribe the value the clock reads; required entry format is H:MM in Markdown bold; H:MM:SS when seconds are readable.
**1:49**
